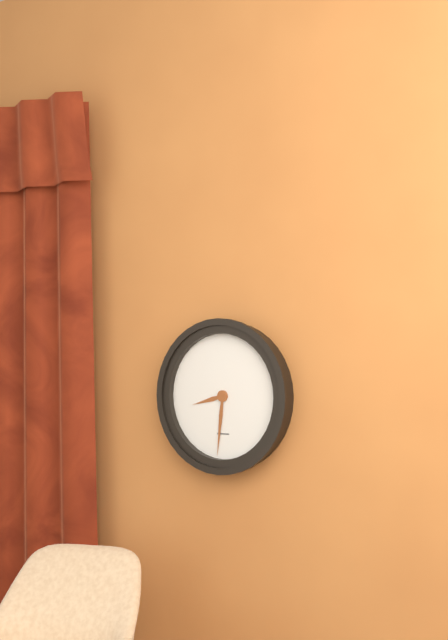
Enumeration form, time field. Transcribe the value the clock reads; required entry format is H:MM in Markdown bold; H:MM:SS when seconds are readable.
**8:31**
